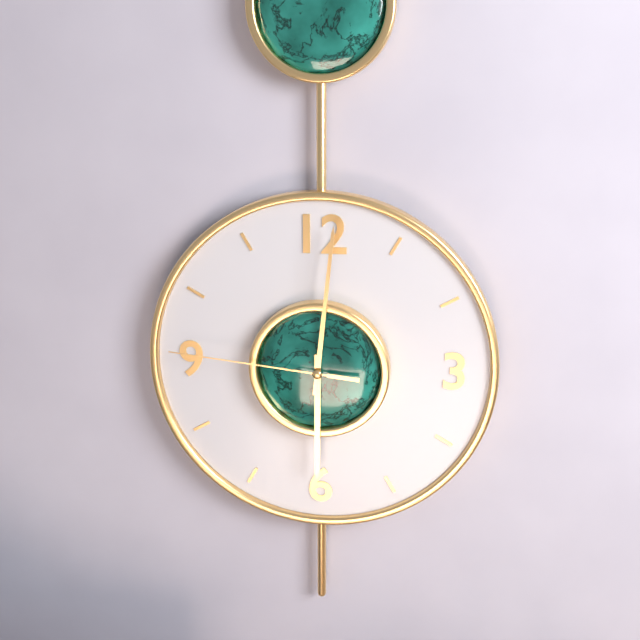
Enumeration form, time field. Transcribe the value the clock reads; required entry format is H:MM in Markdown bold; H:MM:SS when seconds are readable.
**6:01:46**
